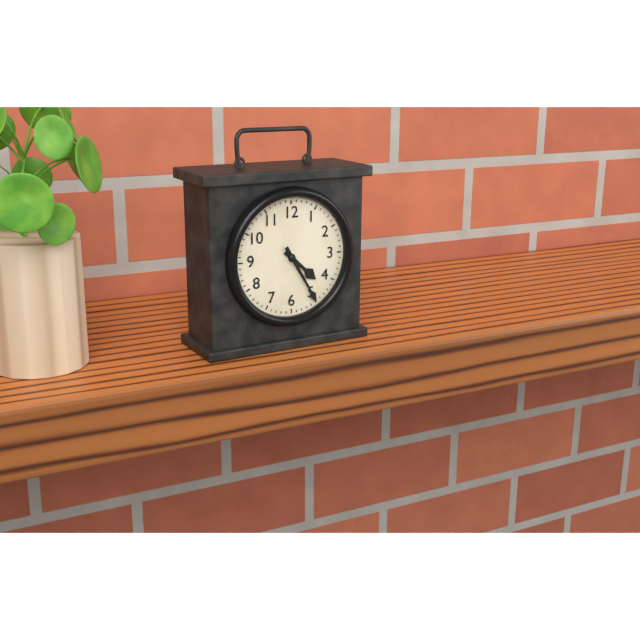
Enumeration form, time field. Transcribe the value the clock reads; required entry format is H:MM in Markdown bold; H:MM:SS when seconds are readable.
**4:25**
